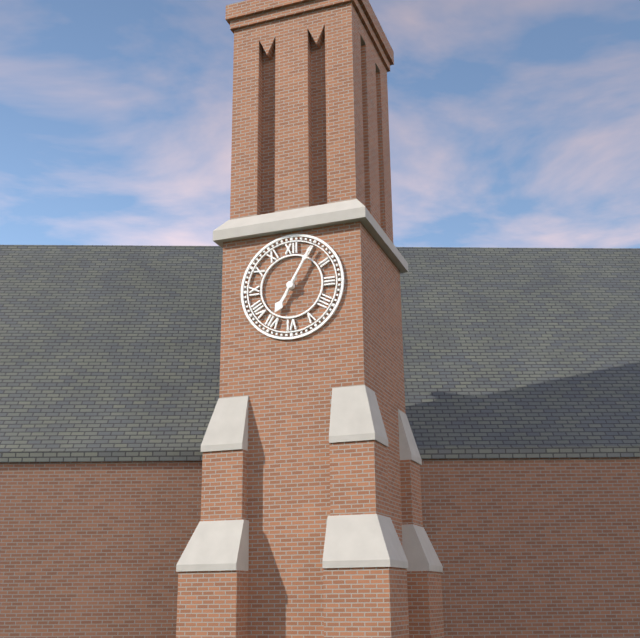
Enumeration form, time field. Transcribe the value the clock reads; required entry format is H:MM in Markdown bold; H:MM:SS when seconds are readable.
**7:05**
